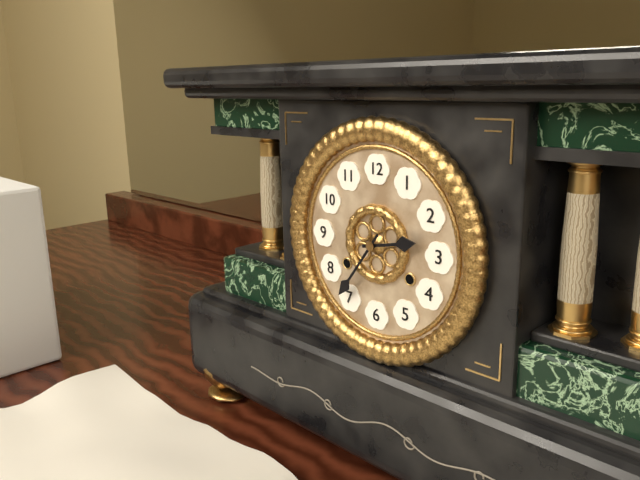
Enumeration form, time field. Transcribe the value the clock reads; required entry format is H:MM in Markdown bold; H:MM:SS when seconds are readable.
**2:36**
